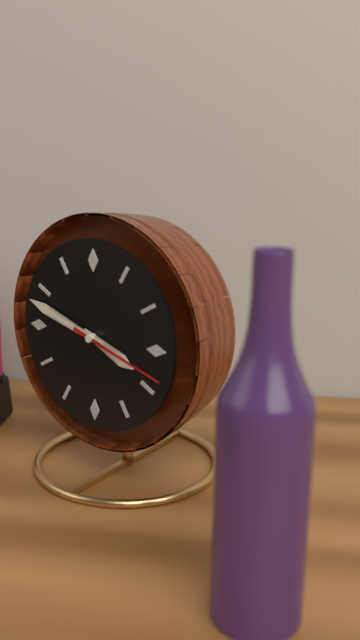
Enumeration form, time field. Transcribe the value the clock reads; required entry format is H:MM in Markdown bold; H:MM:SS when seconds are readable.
**3:48:18**
